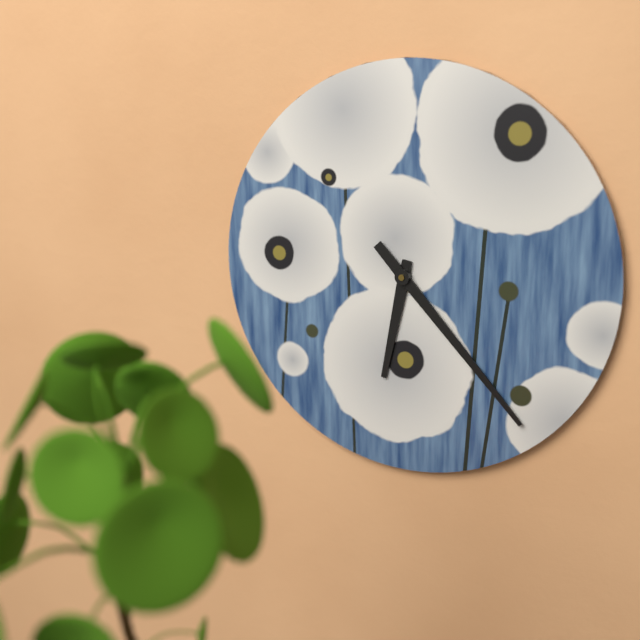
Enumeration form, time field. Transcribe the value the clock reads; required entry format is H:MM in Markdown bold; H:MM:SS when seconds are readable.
**6:23**
